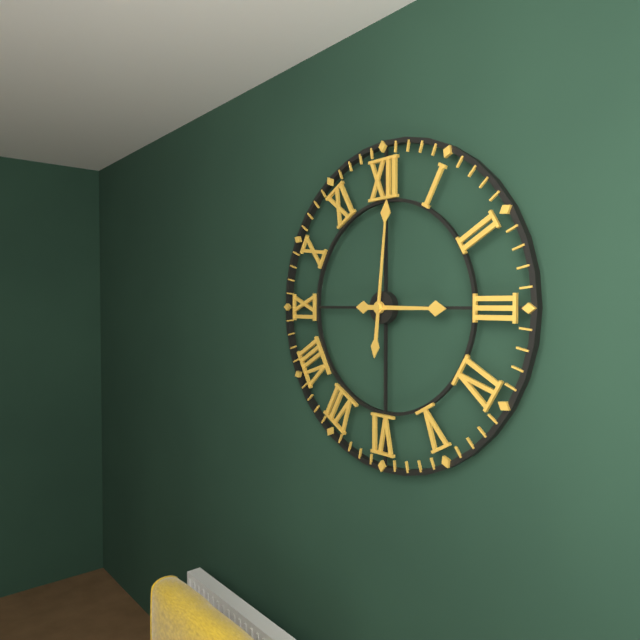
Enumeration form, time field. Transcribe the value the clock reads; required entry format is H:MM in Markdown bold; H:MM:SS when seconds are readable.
**3:01**
